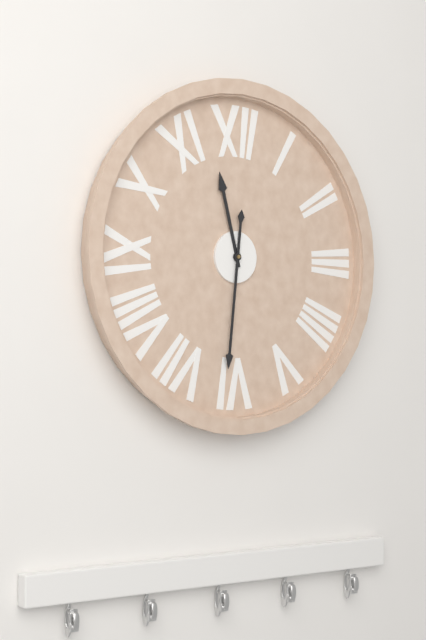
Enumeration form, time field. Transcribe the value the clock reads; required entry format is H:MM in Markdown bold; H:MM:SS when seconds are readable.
**11:31**
